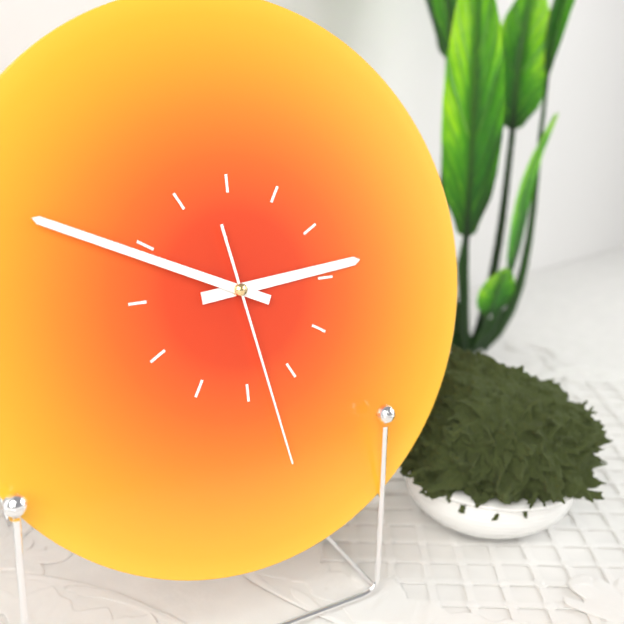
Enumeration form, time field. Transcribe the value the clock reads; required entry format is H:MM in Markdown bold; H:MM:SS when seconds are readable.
**2:49:28**
